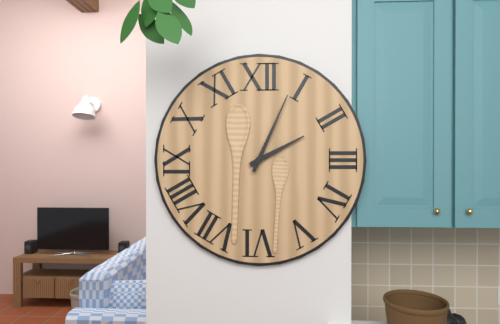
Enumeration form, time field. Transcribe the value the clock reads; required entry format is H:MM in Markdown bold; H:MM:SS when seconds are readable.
**2:04**
